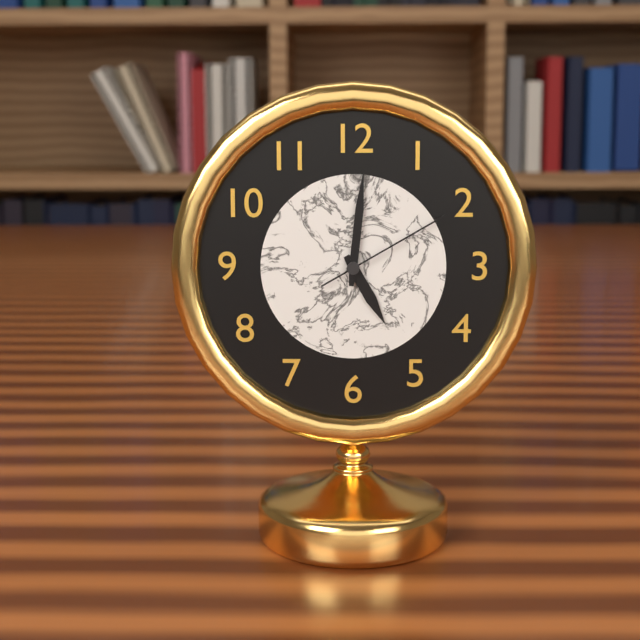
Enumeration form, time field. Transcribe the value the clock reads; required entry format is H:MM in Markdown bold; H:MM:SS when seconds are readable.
**5:01:10**
